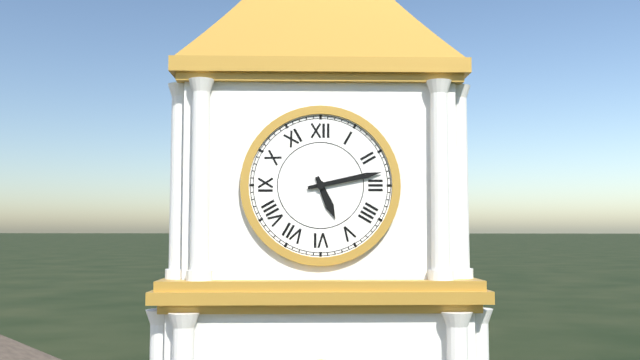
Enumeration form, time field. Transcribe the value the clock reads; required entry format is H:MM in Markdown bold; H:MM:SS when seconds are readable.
**5:13**
